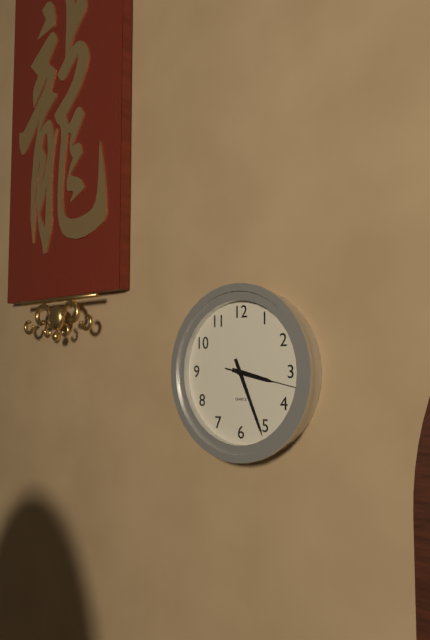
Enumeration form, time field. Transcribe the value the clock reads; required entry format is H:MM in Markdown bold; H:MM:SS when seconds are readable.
**3:26:17**
